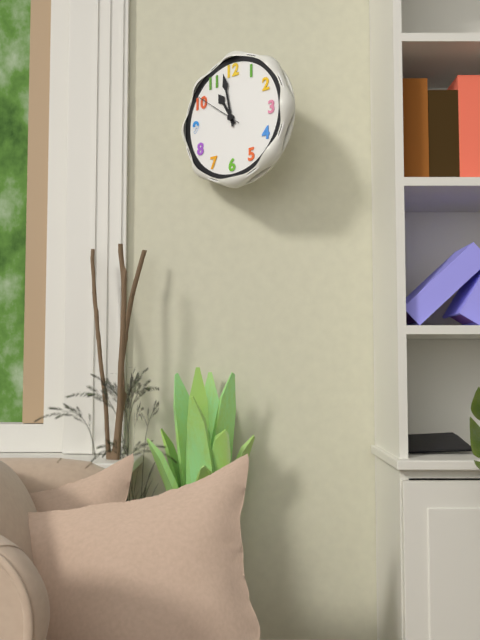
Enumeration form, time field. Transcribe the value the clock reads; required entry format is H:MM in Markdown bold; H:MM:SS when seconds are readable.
**10:58**
